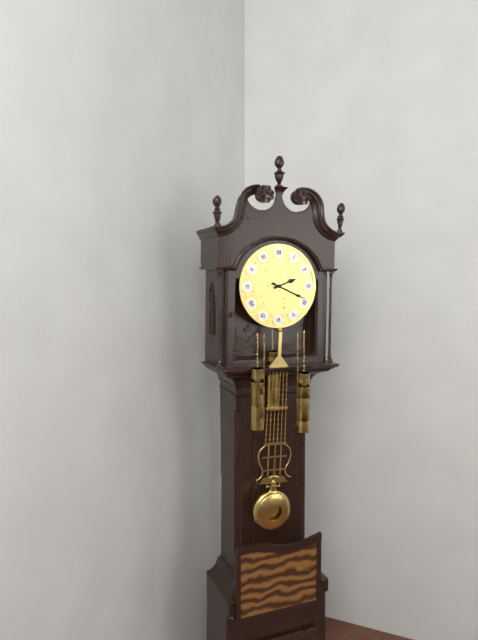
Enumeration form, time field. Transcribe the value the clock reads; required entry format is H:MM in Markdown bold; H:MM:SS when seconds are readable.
**2:19**
